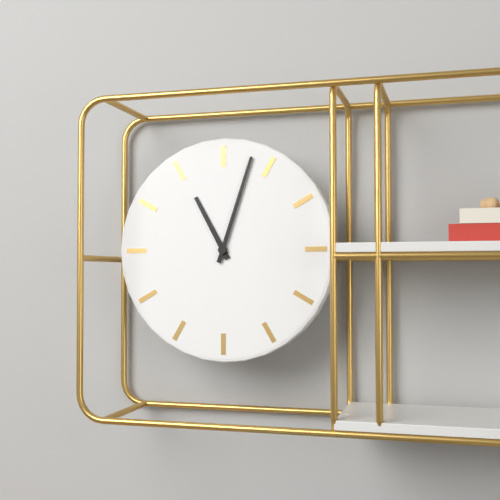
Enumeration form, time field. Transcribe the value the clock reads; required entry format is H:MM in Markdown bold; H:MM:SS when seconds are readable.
**11:03**
